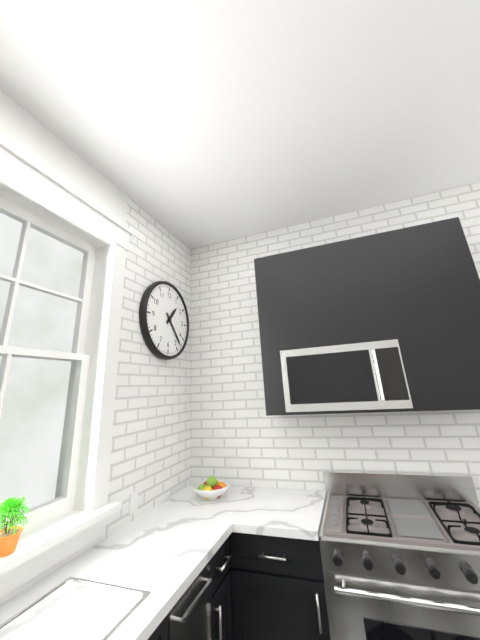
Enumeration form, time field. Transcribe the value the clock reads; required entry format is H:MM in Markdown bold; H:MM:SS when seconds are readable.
**1:23**
